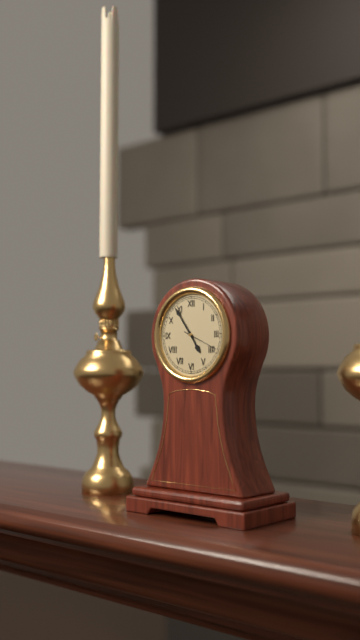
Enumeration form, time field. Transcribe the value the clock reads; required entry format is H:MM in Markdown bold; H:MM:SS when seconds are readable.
**4:54**
